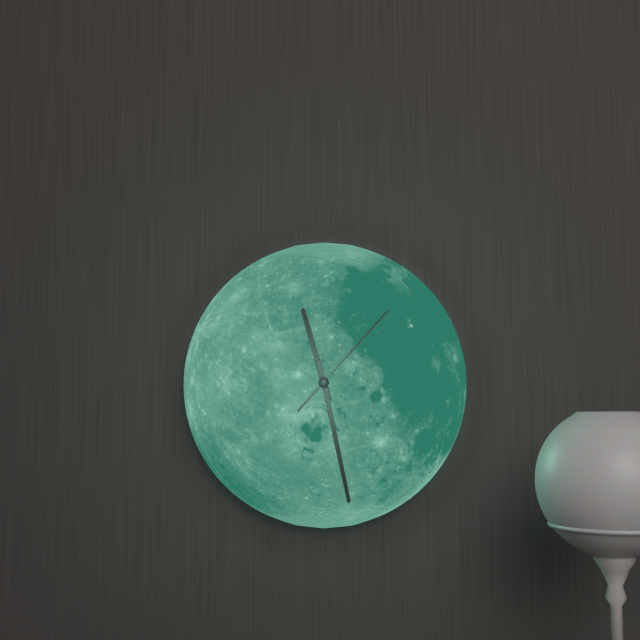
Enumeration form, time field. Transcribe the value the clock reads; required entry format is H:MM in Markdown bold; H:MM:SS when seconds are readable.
**11:28:07**
